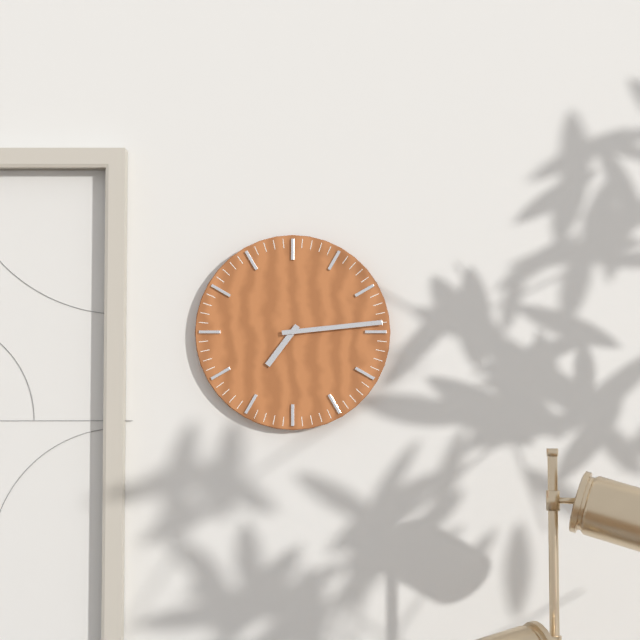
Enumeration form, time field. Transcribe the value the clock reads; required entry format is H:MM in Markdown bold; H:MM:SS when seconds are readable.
**7:14**
